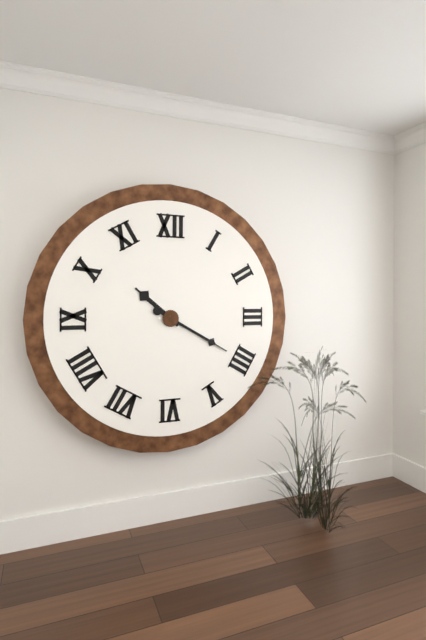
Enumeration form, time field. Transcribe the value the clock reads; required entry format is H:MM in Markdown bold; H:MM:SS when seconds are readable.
**10:20**
